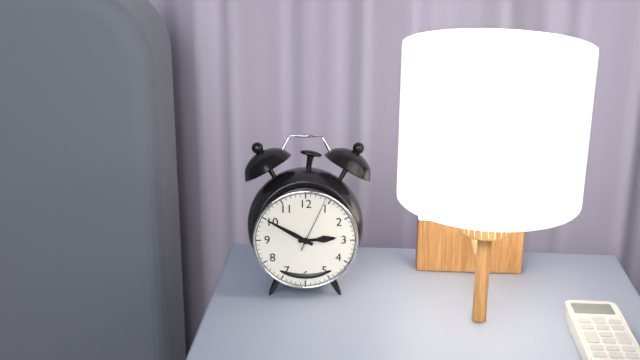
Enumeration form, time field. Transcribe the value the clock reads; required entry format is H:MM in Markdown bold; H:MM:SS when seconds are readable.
**2:50:04**
